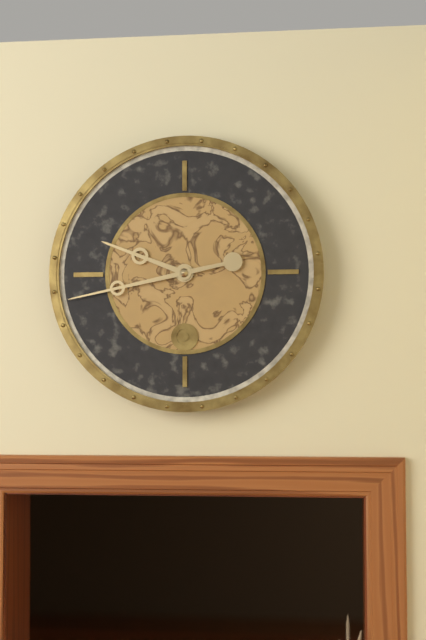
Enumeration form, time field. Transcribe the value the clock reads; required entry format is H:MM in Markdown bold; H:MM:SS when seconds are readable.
**9:43**
